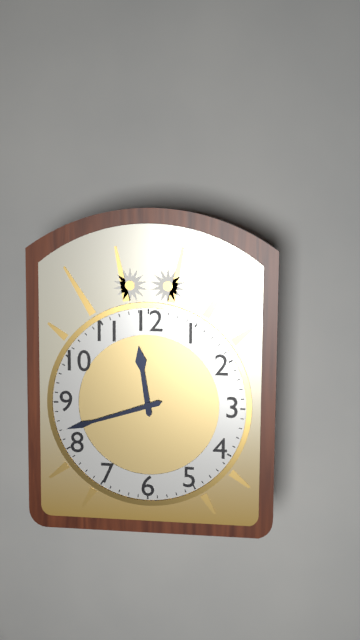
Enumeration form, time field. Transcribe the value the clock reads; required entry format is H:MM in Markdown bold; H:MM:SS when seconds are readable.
**11:42**
